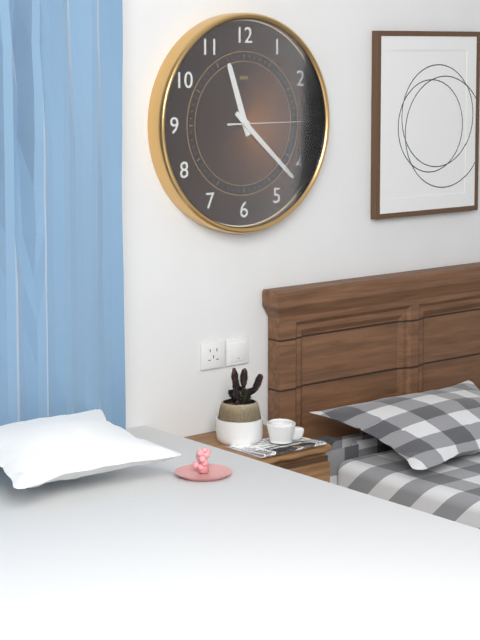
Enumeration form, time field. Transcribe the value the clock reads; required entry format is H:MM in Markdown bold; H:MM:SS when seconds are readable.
**11:22:15**
